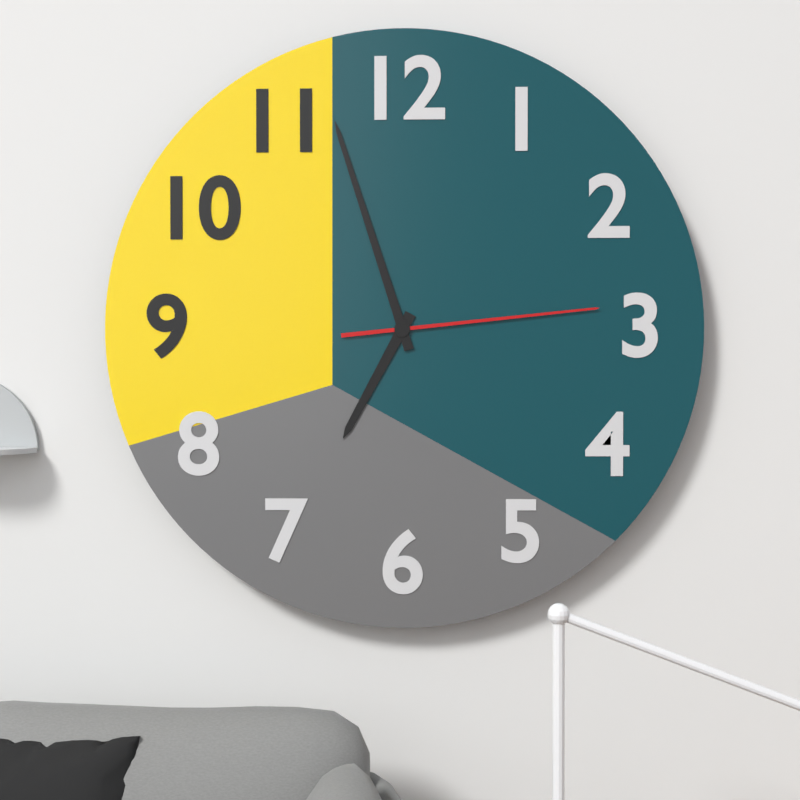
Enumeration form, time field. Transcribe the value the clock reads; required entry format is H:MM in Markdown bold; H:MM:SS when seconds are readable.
**6:57:14**
